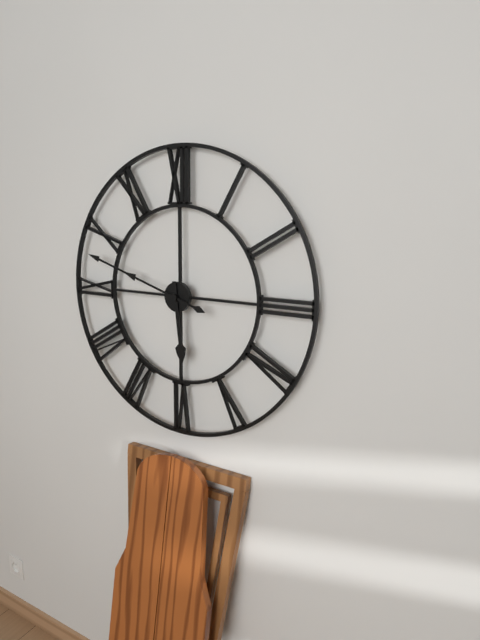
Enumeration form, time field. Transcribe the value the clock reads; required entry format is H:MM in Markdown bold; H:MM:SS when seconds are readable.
**5:48**
